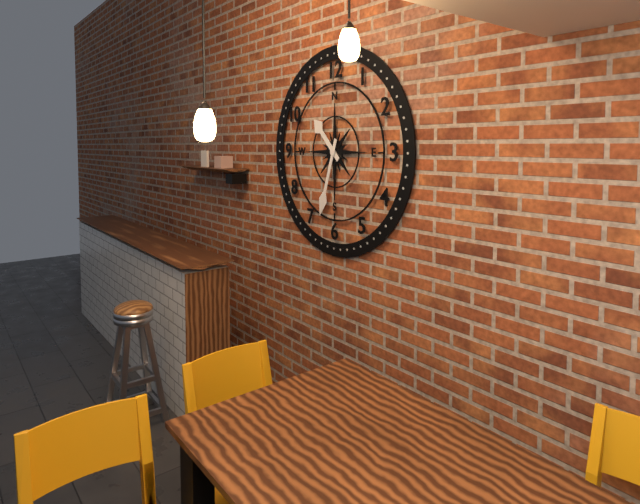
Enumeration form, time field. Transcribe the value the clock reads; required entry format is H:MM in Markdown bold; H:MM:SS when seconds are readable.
**10:33**
